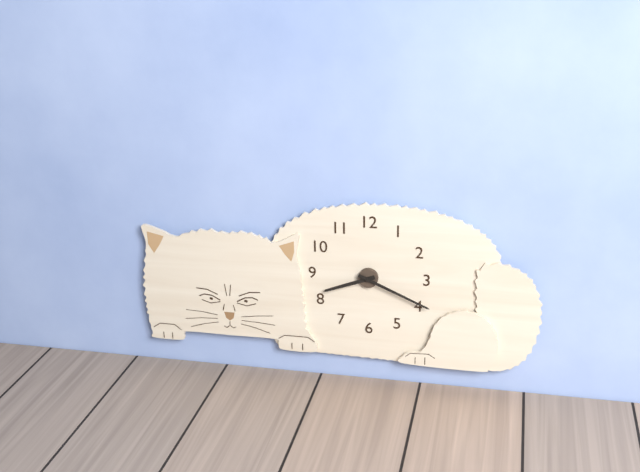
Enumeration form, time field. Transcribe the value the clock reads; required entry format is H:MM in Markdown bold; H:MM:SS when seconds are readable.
**8:19**
